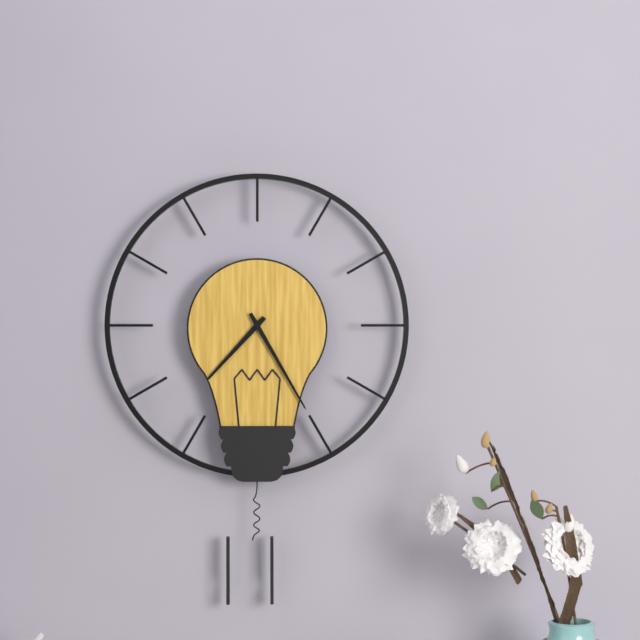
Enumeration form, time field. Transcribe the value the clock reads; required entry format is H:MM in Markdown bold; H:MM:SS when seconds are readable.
**7:25**
